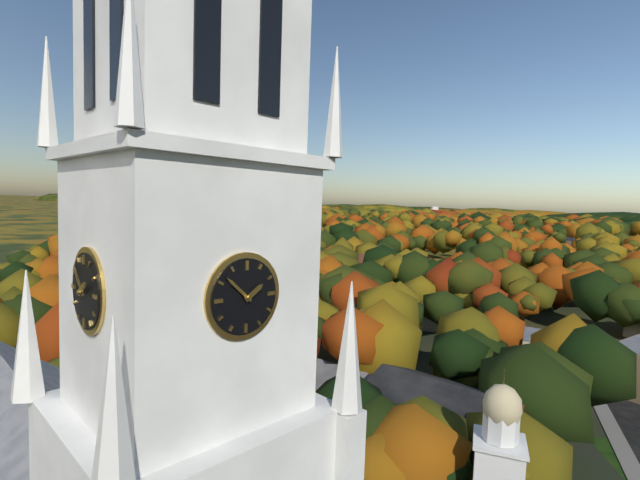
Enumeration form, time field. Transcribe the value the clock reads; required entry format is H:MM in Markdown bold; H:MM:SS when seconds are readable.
**1:52**
